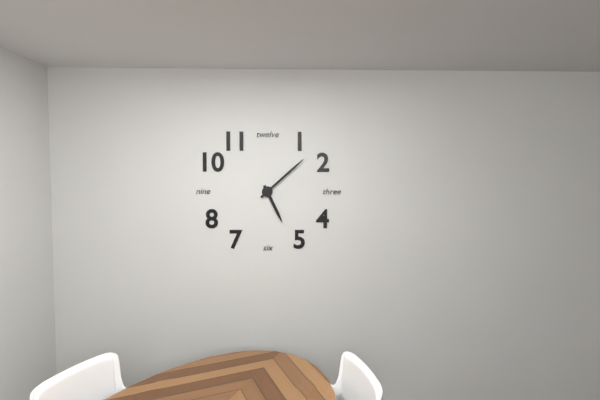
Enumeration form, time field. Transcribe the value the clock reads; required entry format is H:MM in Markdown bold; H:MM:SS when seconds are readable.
**5:08**
